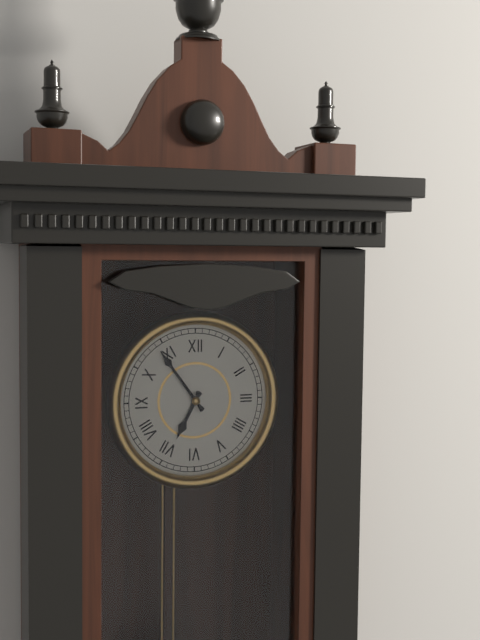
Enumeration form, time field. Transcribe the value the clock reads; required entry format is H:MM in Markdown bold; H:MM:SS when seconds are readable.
**6:54**
